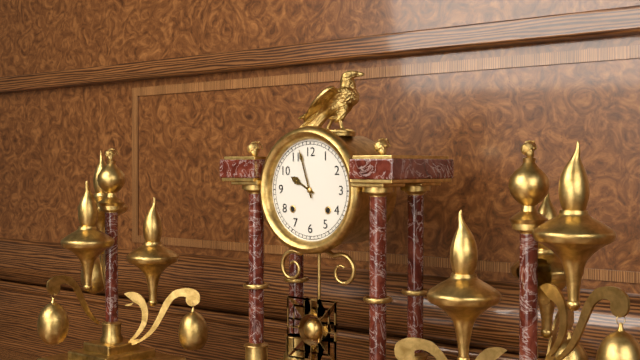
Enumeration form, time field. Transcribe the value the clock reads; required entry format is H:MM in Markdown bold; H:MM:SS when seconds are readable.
**9:57**
